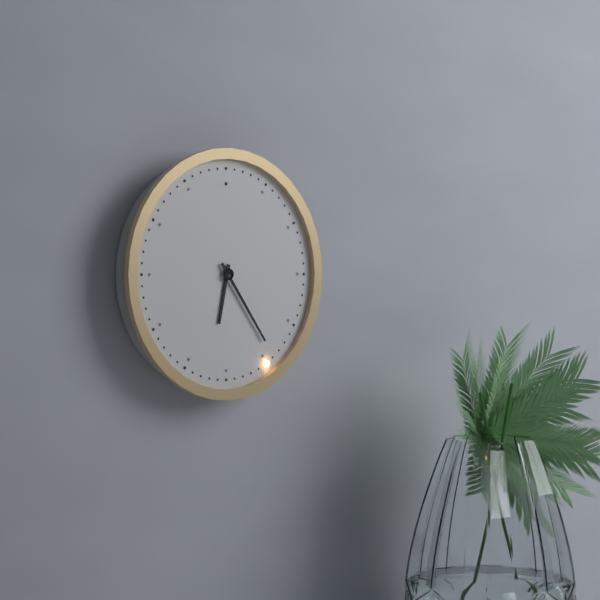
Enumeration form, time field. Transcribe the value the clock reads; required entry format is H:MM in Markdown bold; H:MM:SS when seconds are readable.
**6:24**
